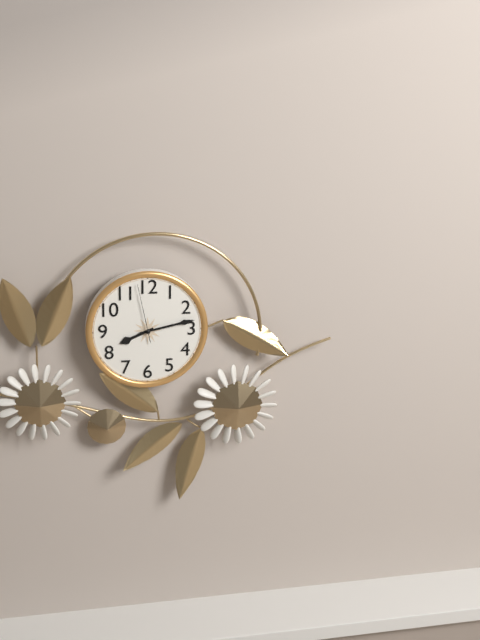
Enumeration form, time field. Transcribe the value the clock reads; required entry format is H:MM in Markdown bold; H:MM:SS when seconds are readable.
**8:13:58**
